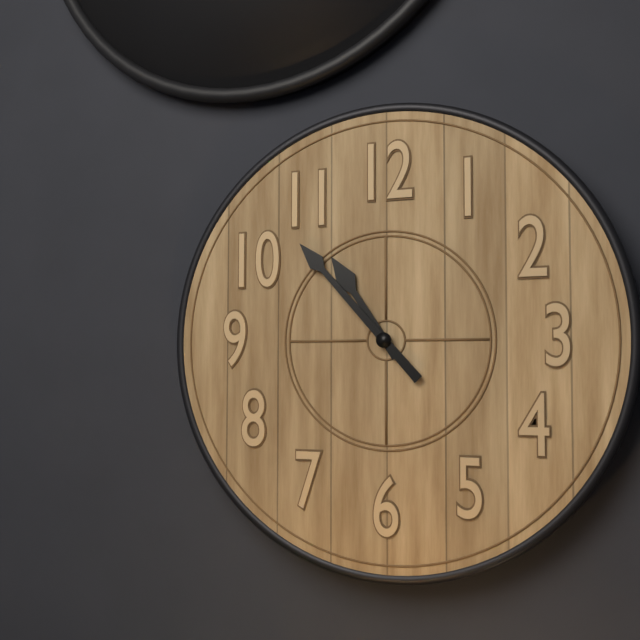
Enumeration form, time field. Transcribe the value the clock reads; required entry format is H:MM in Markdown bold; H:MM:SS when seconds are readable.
**10:53**
